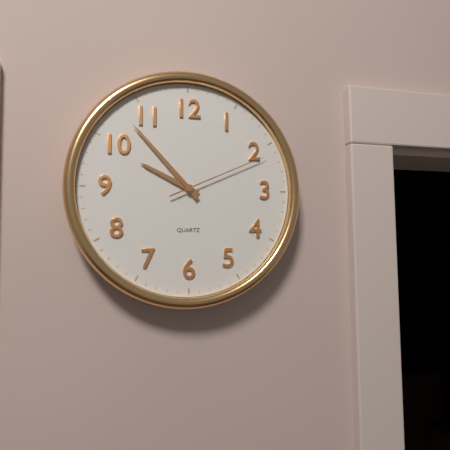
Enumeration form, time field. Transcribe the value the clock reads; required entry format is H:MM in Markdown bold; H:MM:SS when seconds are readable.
**9:53:11**
